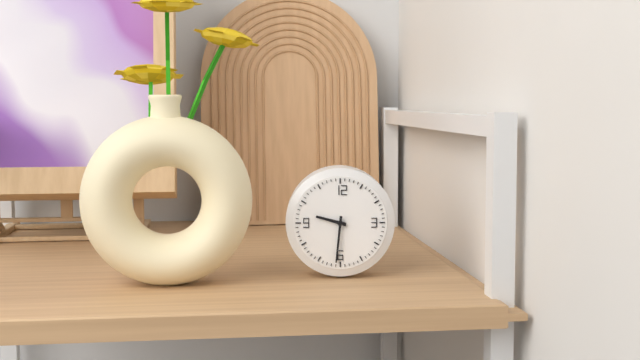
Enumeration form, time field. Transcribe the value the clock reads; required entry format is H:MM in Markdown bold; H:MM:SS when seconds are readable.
**9:31**
